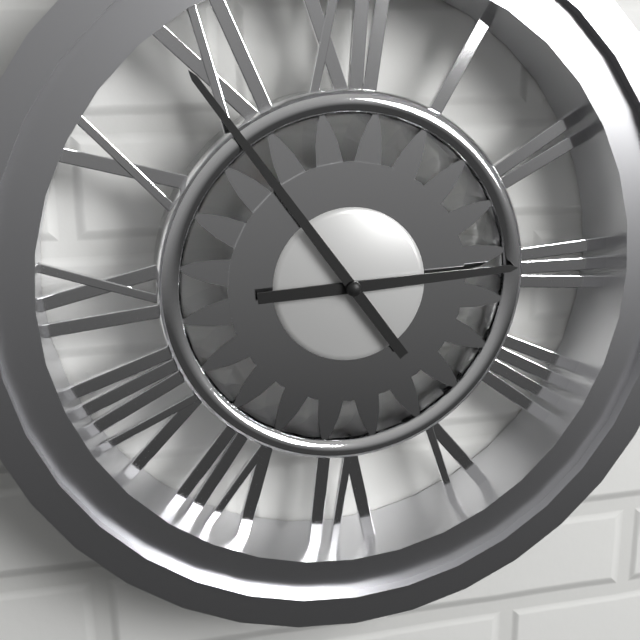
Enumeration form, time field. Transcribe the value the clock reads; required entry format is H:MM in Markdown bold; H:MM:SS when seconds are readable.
**2:54**
